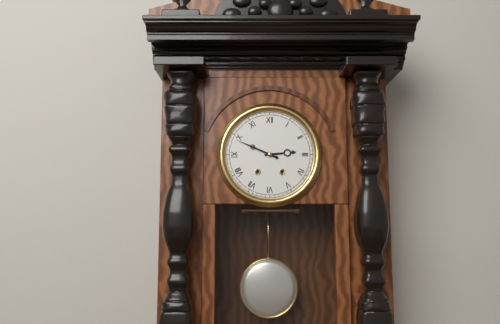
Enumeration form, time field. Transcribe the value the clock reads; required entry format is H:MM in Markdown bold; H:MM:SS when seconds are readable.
**2:49**
